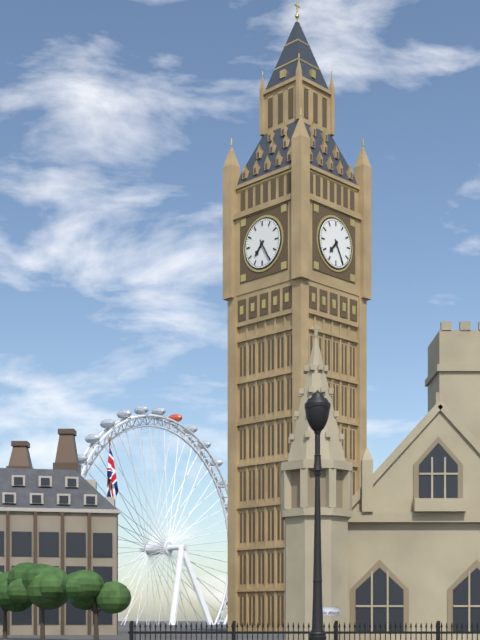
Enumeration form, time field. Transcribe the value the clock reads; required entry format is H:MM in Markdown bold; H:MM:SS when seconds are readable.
**7:25**
